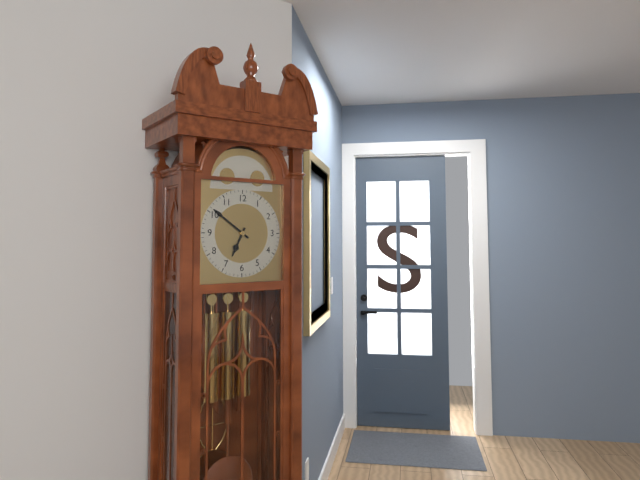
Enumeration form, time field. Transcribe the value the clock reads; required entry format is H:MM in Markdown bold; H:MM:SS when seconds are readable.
**6:51**
